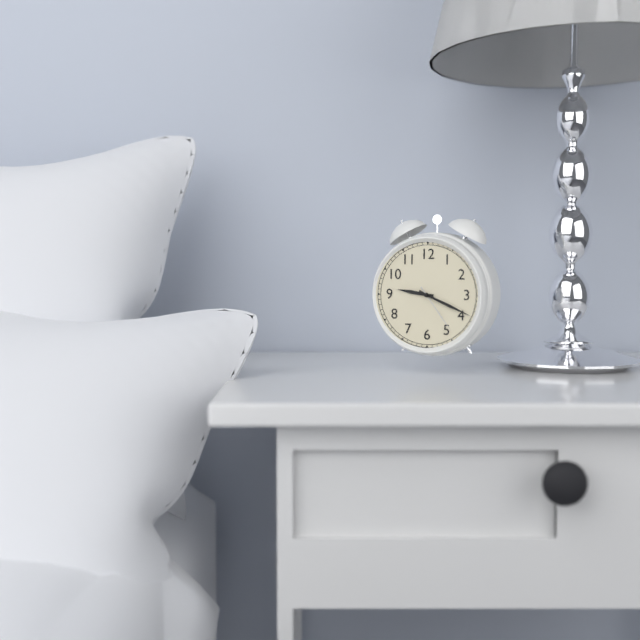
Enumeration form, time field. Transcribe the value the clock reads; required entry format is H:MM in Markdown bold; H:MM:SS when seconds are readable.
**9:19:24**
